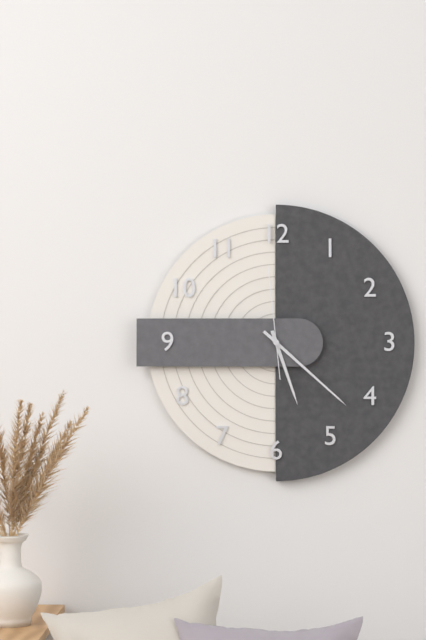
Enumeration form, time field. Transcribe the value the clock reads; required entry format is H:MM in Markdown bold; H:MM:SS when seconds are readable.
**5:22:59**
